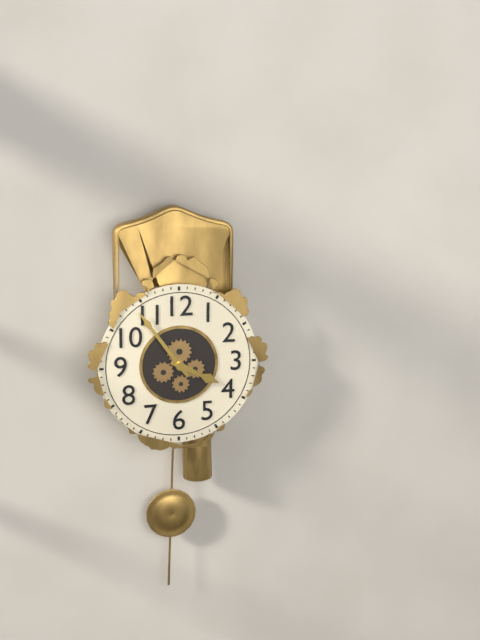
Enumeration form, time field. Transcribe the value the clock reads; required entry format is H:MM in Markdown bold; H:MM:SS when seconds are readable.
**3:54**
